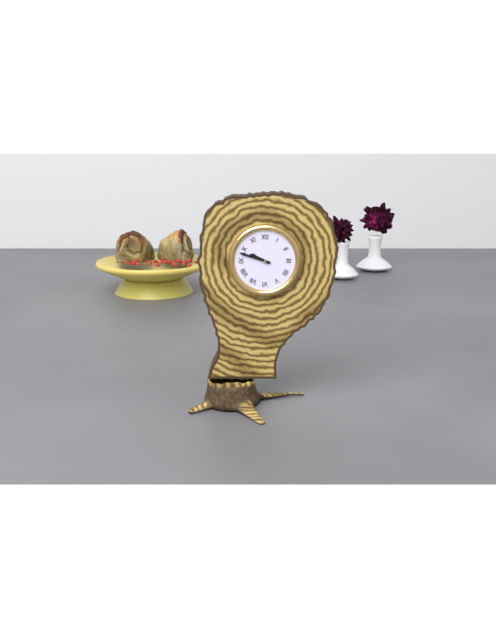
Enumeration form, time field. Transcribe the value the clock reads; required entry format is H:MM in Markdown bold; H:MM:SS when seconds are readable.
**9:48**
